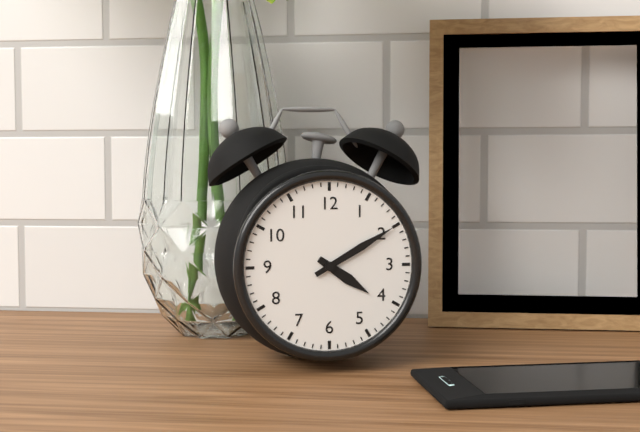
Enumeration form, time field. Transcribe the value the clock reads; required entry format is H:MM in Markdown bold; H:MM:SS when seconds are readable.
**4:10**
